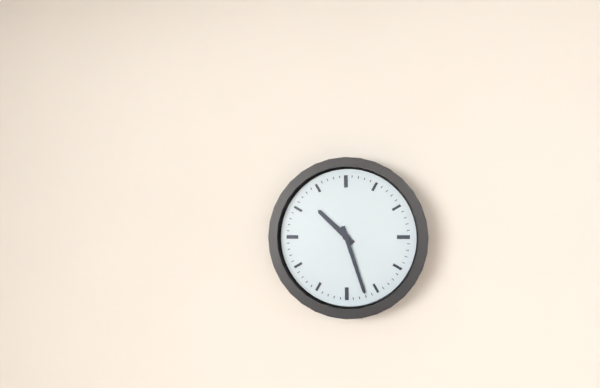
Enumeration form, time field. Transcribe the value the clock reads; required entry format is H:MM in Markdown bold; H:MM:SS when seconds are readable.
**10:27**
